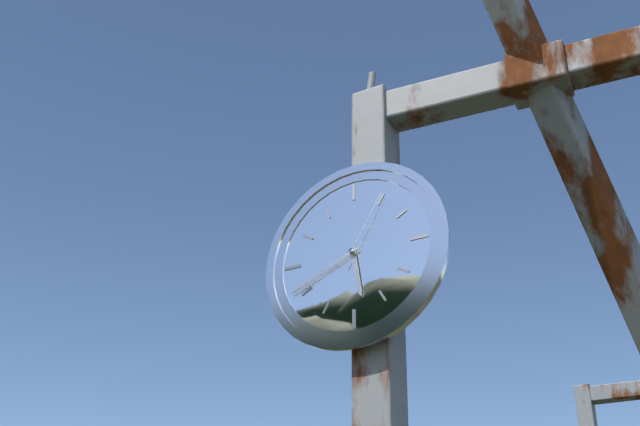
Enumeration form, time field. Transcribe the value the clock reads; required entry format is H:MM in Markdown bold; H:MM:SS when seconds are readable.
**5:41:05**
